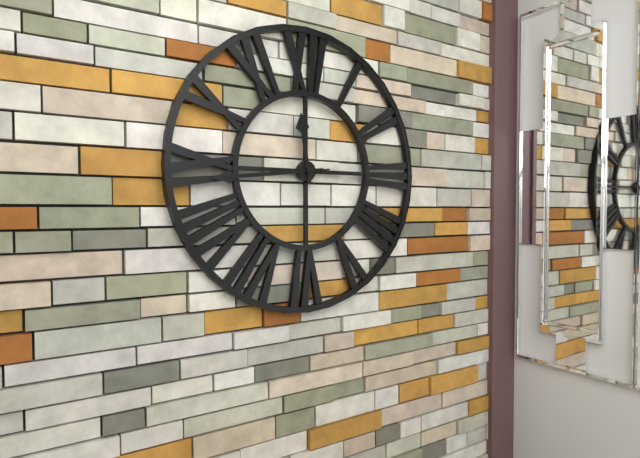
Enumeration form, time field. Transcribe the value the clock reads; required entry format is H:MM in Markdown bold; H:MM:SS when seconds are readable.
**11:44:44**
